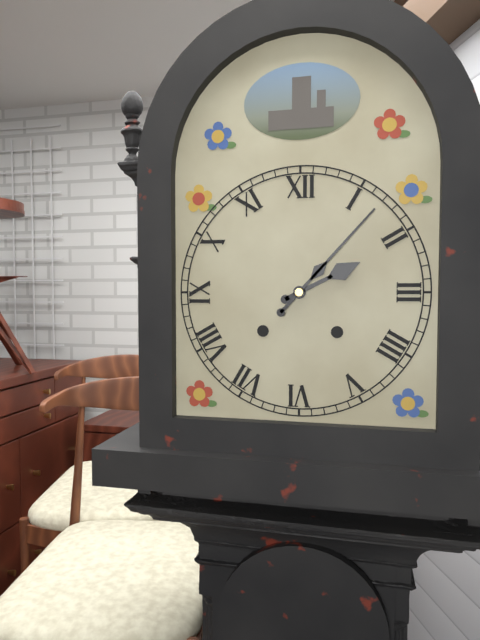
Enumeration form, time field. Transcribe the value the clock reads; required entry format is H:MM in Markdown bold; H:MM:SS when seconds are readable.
**2:07**
